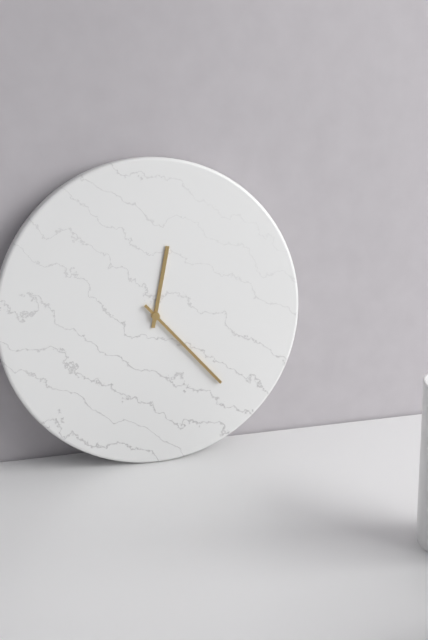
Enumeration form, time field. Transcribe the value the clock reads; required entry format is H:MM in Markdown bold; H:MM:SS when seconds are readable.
**12:23**
